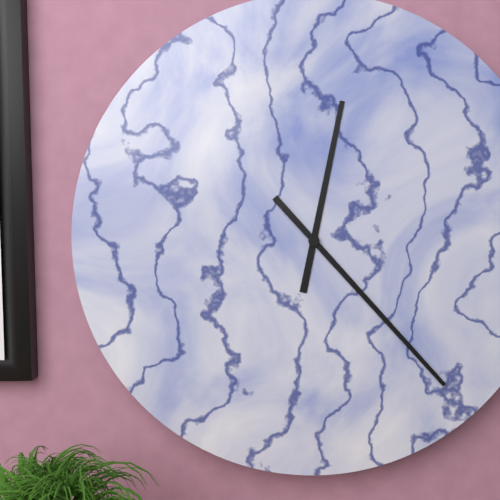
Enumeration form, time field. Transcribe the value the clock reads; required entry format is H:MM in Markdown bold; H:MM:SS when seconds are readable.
**12:23**
